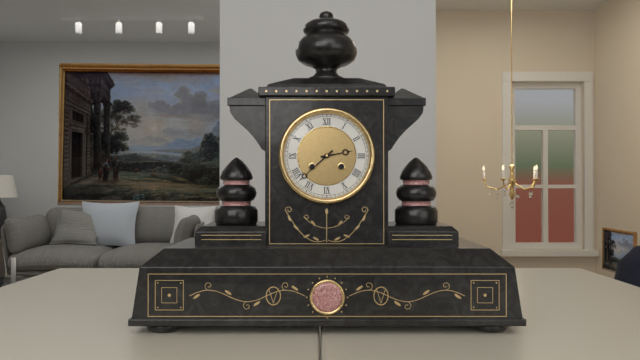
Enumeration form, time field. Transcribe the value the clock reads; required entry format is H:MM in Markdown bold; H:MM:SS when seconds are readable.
**2:38**
